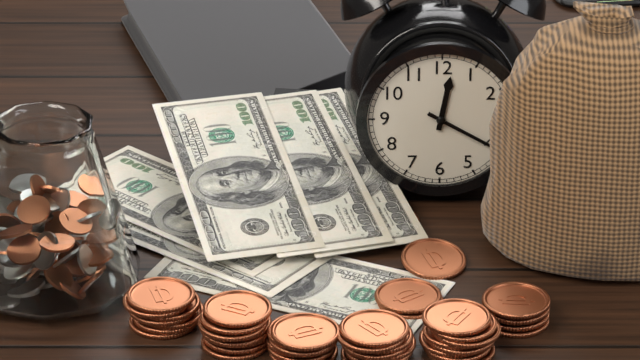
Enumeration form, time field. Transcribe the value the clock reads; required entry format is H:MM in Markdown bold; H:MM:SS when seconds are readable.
**12:20**
